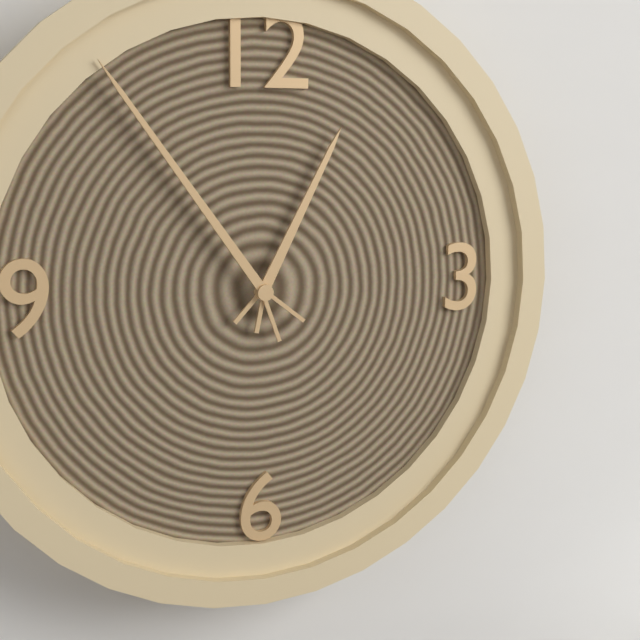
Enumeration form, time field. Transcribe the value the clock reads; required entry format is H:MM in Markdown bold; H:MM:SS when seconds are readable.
**12:54**
